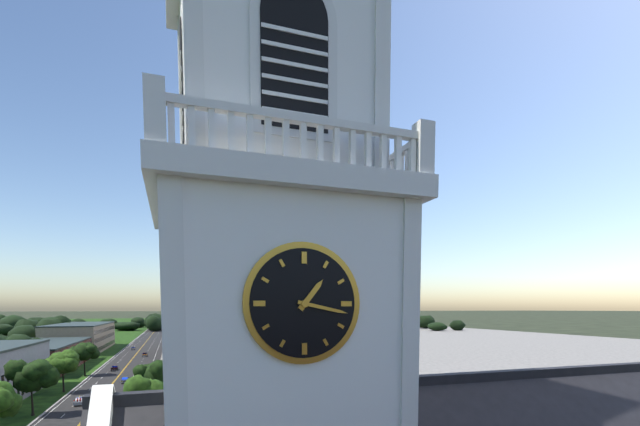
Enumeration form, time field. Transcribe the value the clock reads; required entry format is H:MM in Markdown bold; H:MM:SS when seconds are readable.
**1:17**
